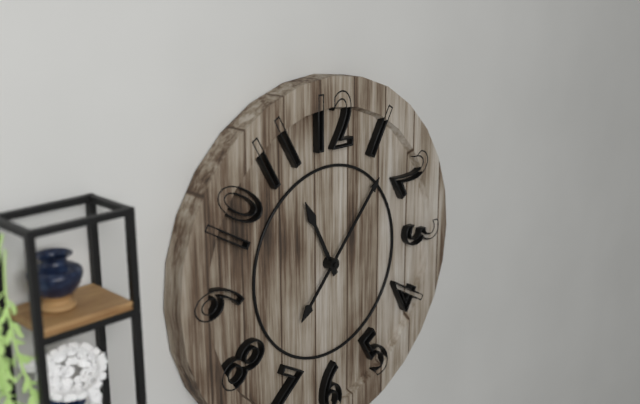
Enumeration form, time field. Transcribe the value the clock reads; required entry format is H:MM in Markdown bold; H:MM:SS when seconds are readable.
**11:07**
